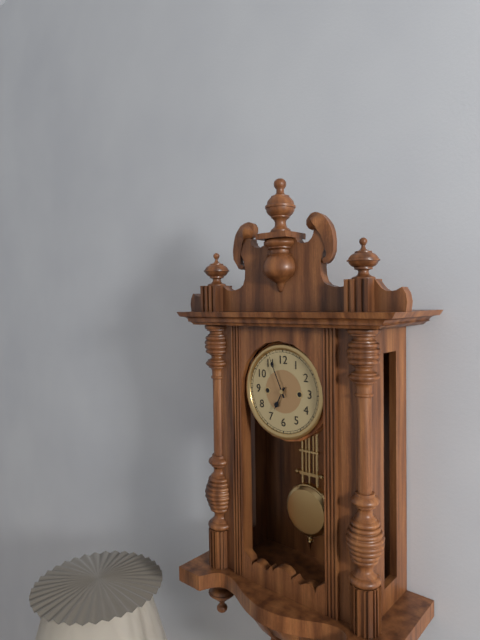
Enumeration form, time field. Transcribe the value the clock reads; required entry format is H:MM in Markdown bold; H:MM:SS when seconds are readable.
**6:56**
